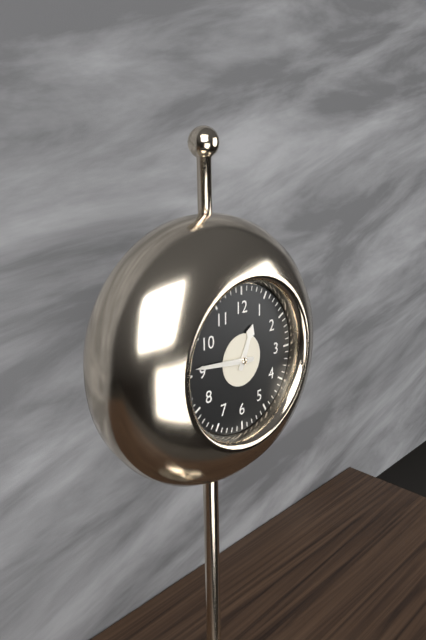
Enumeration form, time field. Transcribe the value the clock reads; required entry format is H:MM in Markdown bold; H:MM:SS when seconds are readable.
**12:46**
